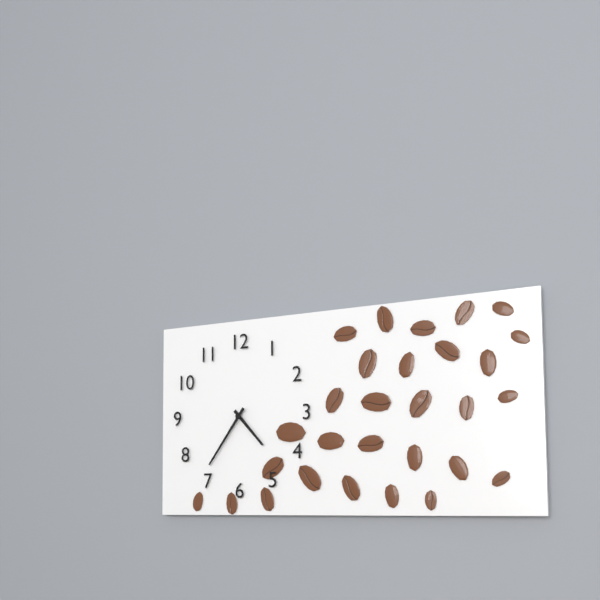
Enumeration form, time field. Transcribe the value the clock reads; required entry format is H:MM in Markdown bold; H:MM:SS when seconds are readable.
**4:36**
